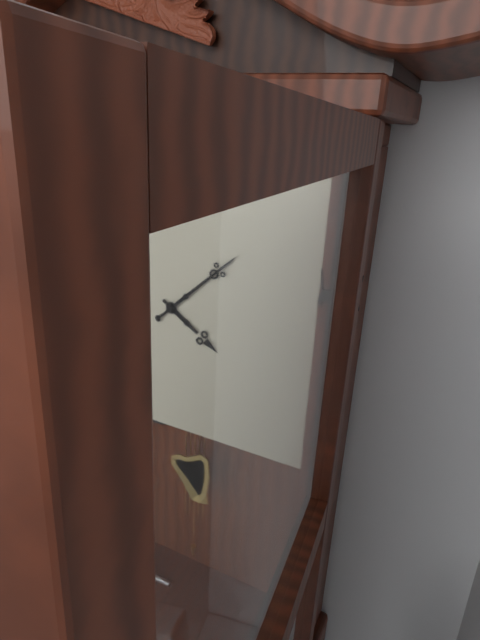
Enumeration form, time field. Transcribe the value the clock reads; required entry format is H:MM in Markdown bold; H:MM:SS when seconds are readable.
**4:08**
